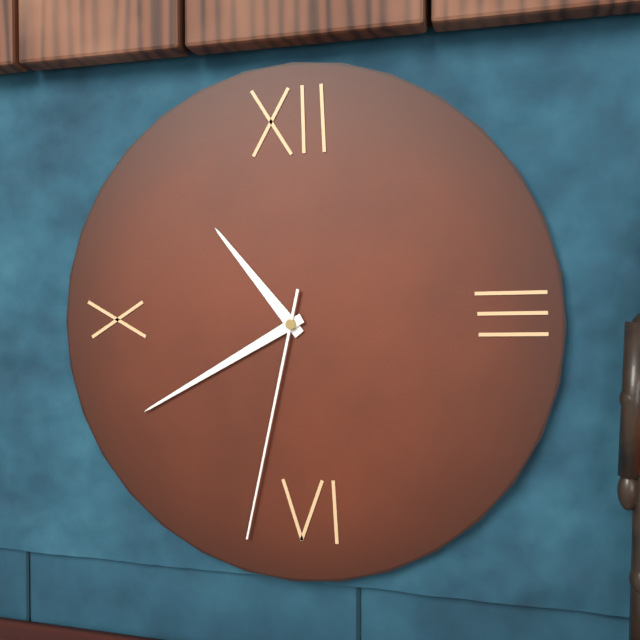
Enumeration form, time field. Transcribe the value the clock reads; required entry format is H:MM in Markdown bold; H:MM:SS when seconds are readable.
**10:40:32**
